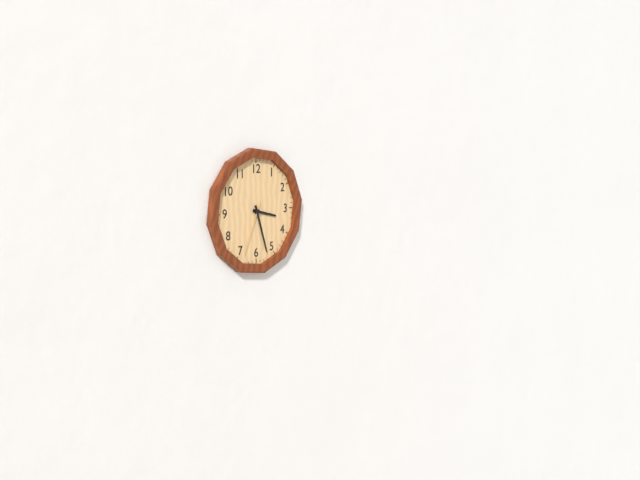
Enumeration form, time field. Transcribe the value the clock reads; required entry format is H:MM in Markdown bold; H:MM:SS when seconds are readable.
**3:27:34**
